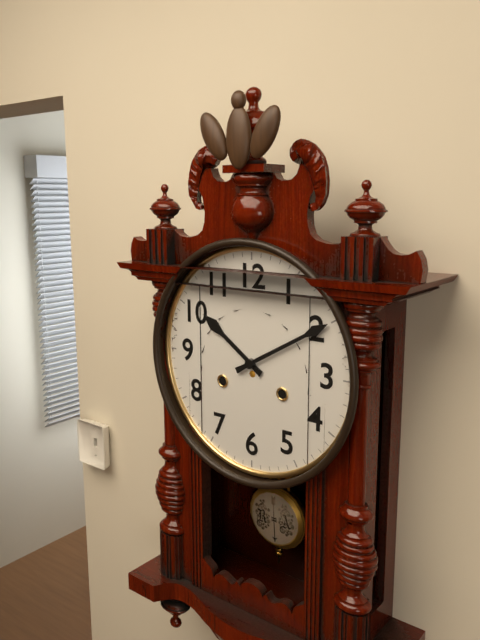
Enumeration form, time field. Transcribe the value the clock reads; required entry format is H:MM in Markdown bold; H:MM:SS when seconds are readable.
**10:10**
